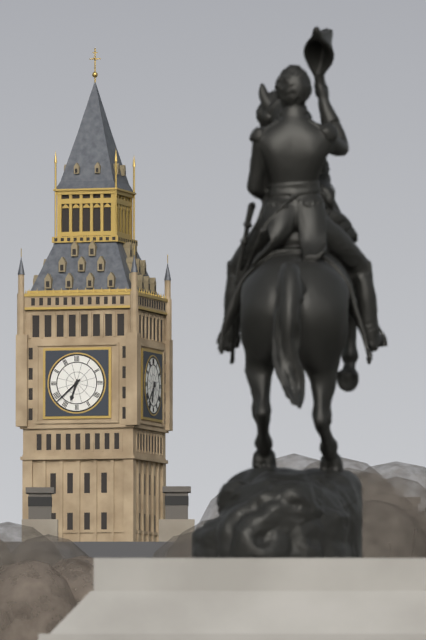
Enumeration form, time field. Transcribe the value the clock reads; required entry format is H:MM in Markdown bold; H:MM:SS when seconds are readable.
**6:38**
